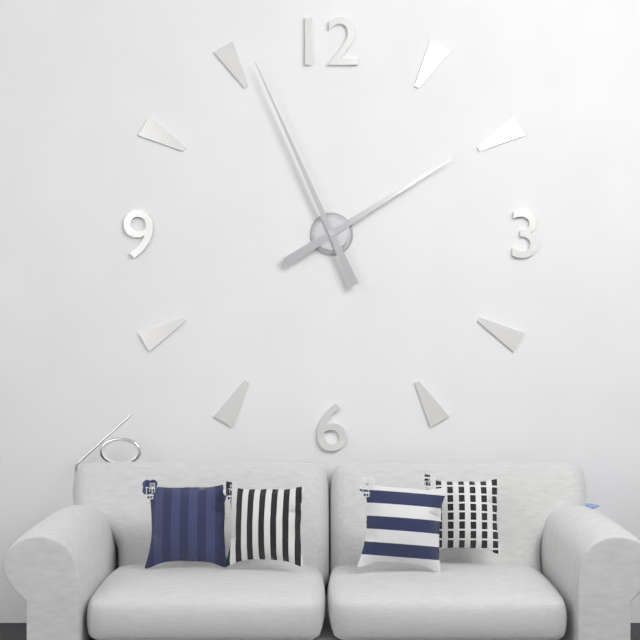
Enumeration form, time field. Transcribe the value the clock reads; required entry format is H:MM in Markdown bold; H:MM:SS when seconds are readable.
**1:56**
